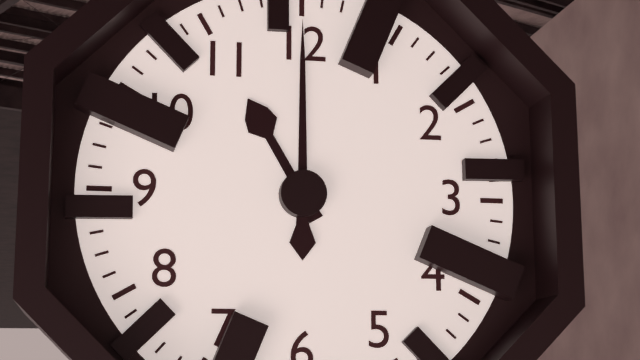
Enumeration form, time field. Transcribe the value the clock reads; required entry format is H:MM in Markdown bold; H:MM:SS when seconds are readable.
**11:00**
